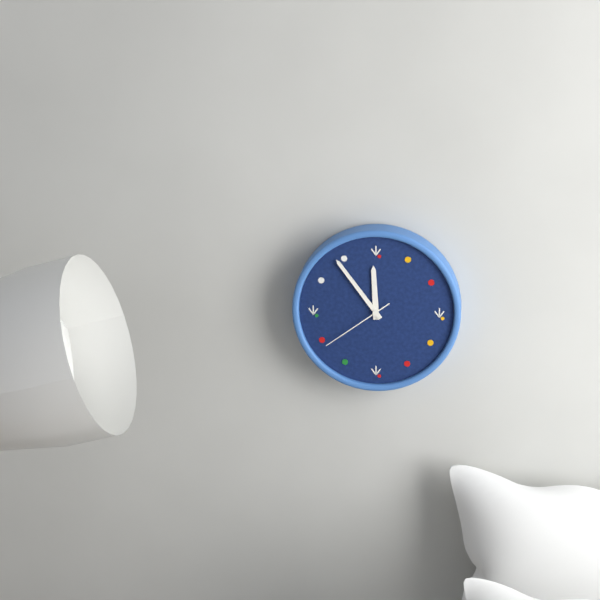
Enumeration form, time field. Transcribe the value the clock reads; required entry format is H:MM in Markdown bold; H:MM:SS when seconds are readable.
**11:54:39**
